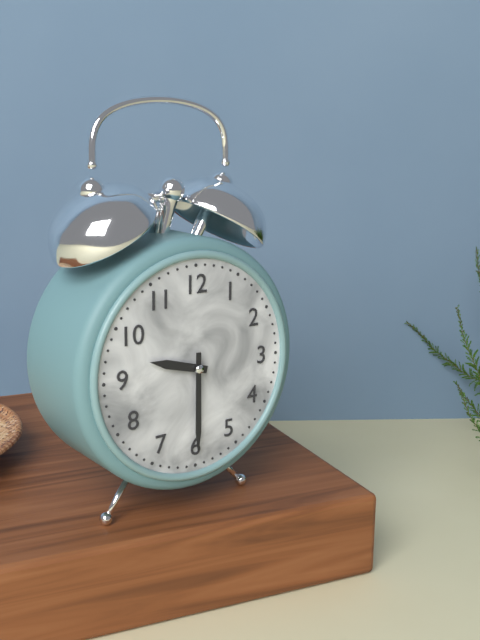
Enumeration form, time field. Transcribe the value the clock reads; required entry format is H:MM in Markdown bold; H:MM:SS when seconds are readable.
**9:30**
